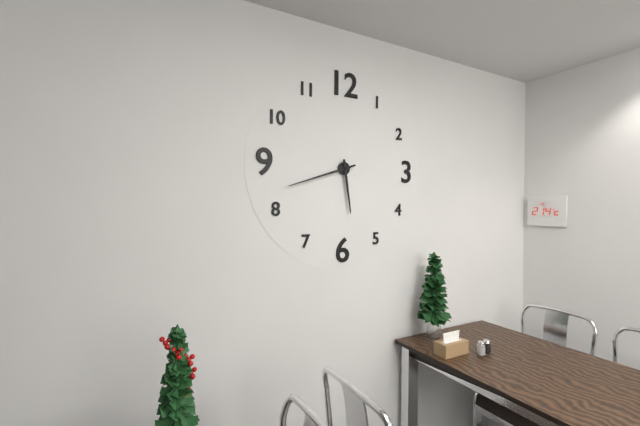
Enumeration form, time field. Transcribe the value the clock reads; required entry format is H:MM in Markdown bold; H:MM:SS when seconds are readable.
**5:42**
